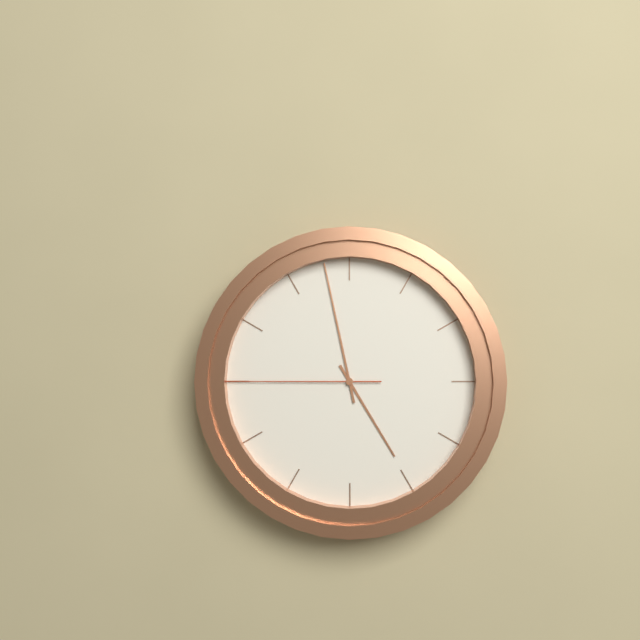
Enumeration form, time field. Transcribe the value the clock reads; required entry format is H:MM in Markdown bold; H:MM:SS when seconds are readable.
**4:58:45**
